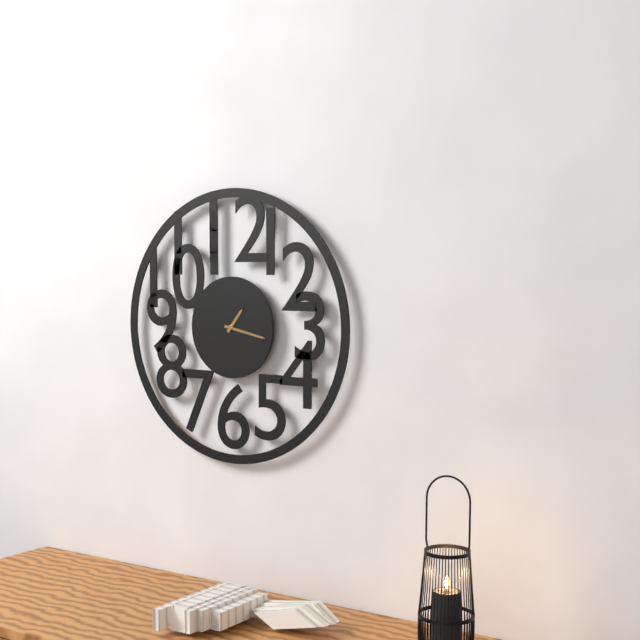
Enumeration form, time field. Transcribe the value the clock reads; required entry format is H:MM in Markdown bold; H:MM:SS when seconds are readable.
**1:17**
